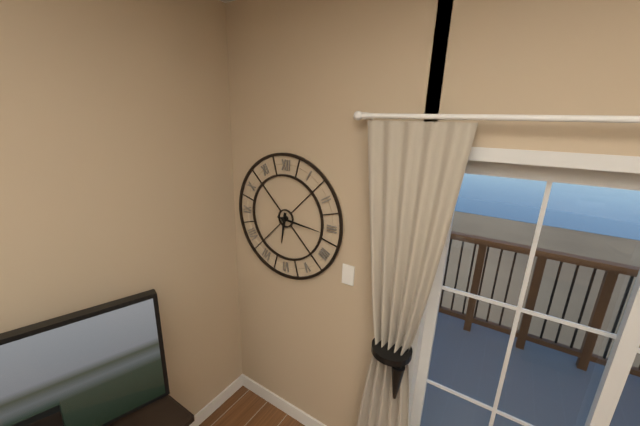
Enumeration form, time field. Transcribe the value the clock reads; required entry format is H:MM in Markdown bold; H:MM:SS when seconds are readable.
**6:16**
